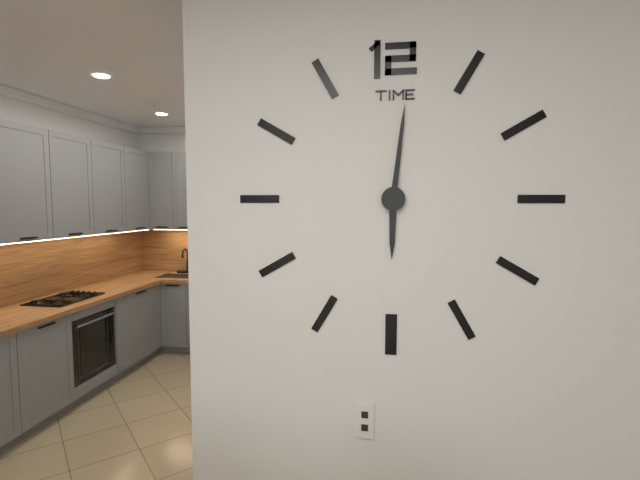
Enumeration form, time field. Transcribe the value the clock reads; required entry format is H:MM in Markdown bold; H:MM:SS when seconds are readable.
**6:01**
